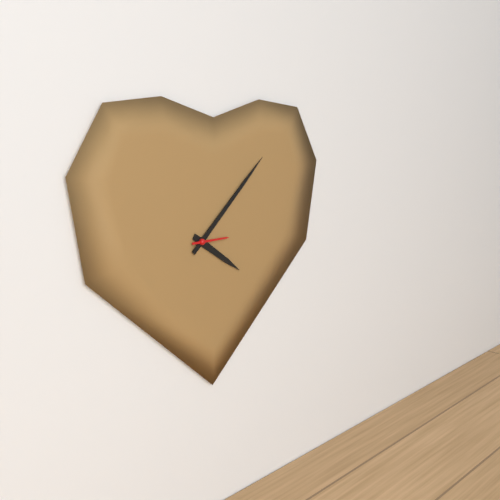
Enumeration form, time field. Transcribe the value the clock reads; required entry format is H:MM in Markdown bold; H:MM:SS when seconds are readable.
**4:08**
